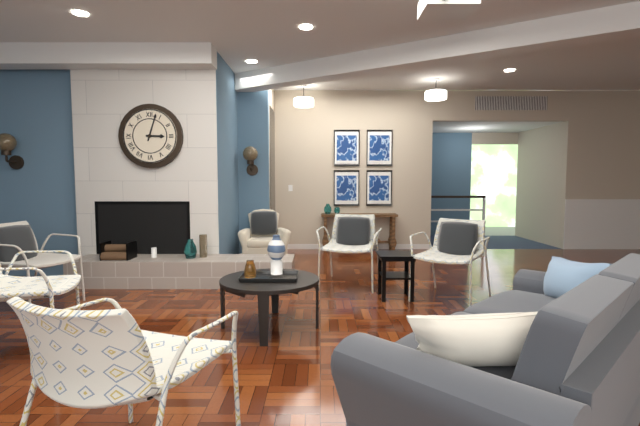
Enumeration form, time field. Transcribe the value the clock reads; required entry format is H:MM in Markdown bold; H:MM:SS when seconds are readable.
**3:03**
